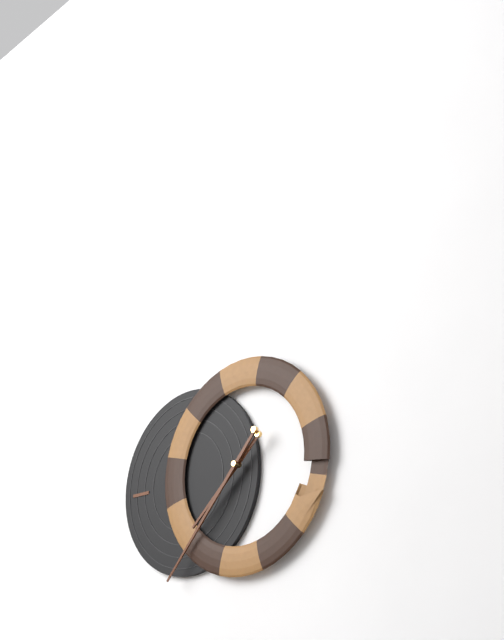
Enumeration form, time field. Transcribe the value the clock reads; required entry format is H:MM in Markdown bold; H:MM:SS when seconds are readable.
**7:37**
